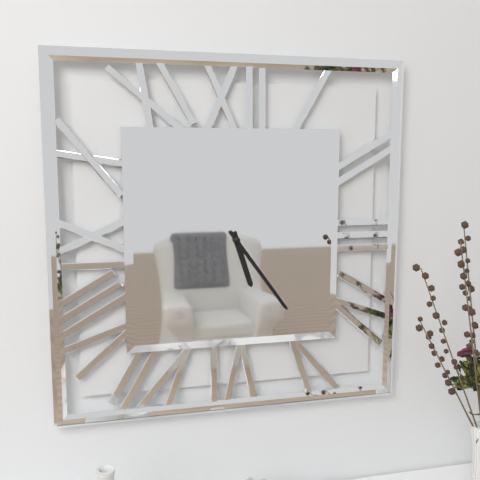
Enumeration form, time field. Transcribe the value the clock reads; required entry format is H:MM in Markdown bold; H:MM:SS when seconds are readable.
**5:24**
